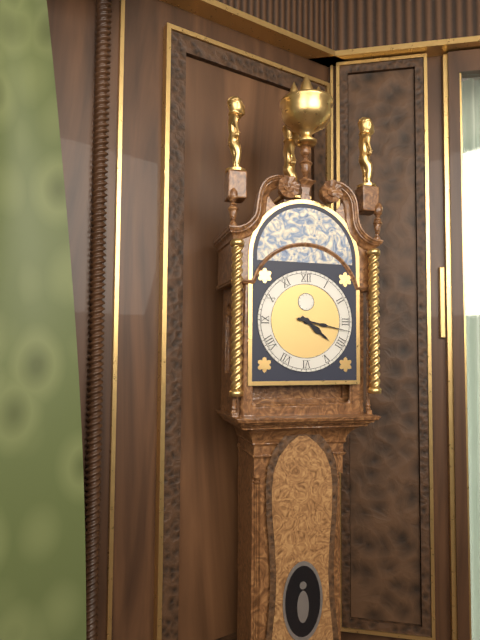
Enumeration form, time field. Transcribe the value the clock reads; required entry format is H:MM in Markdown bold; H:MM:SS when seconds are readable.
**4:17**
